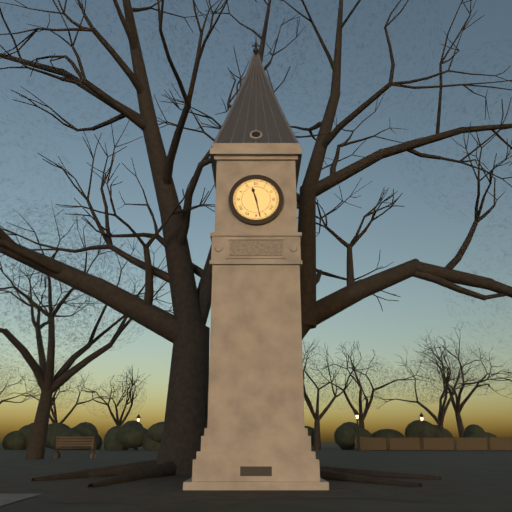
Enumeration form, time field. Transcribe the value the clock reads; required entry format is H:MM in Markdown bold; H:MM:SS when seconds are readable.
**11:28**
